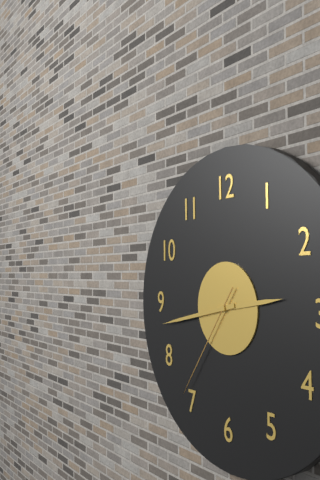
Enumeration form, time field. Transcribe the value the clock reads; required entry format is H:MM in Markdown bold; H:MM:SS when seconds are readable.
**2:43:36**
